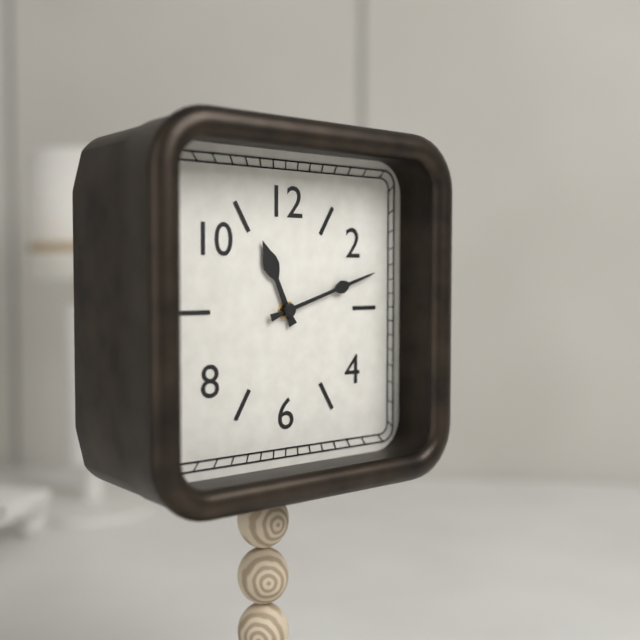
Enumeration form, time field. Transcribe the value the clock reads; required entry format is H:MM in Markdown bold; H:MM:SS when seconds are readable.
**11:12**
